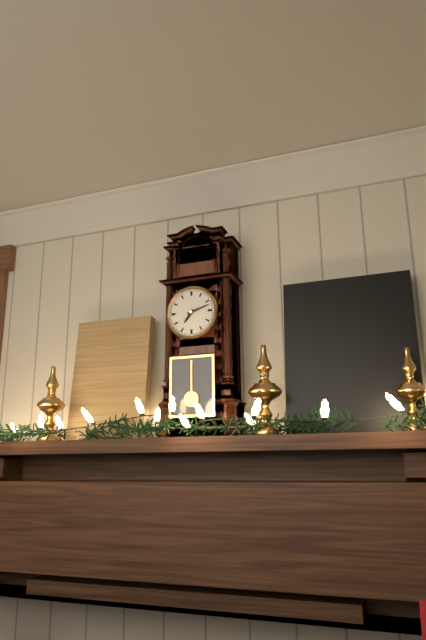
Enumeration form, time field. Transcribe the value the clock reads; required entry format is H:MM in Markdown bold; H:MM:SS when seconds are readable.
**7:12**
